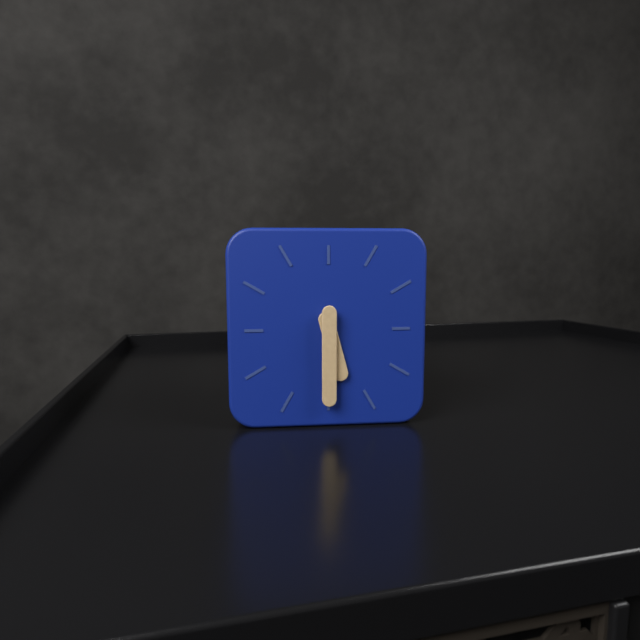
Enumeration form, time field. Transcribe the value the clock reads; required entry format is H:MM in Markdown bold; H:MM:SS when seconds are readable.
**5:30**
